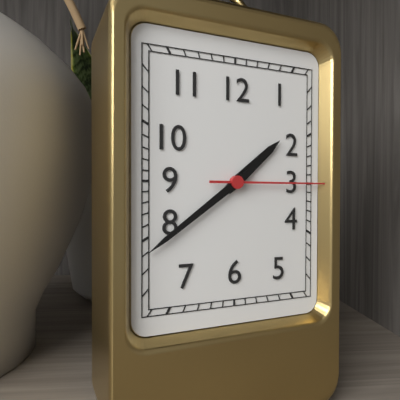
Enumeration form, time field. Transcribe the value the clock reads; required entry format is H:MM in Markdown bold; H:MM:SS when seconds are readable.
**1:39:15**
